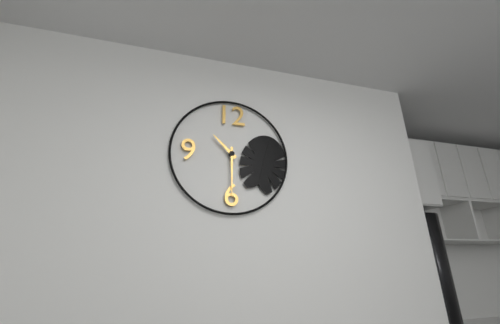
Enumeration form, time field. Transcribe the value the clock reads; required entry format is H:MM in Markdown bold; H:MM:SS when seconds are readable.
**10:30**
